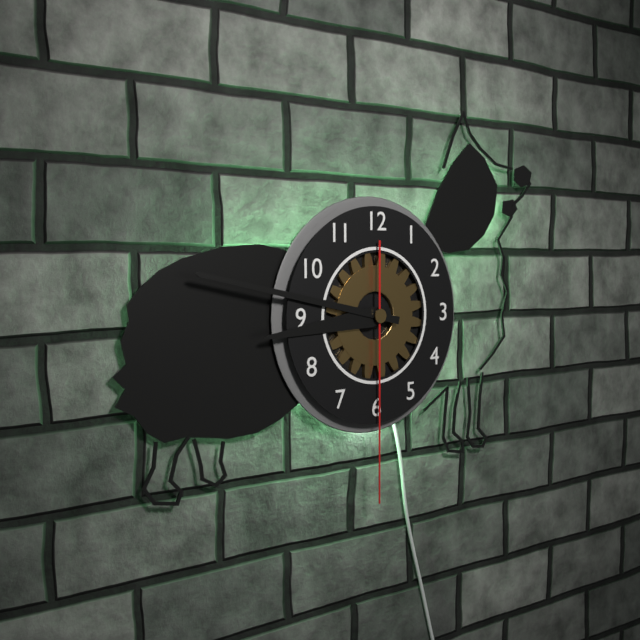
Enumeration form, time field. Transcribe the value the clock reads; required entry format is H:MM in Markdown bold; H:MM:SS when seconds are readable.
**8:47:30**
